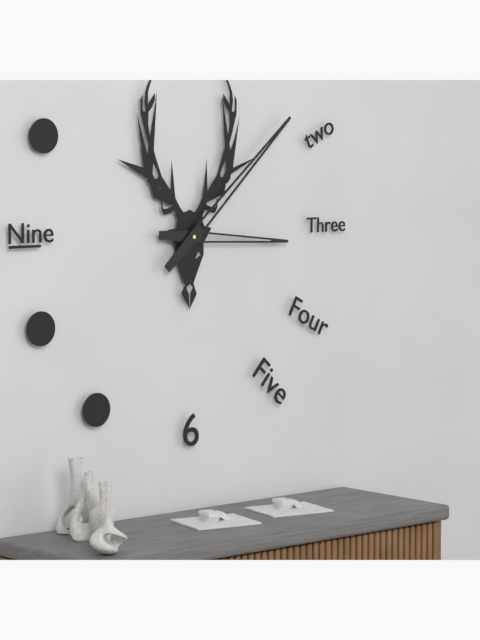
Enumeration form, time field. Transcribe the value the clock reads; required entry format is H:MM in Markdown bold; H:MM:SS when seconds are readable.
**3:08**
